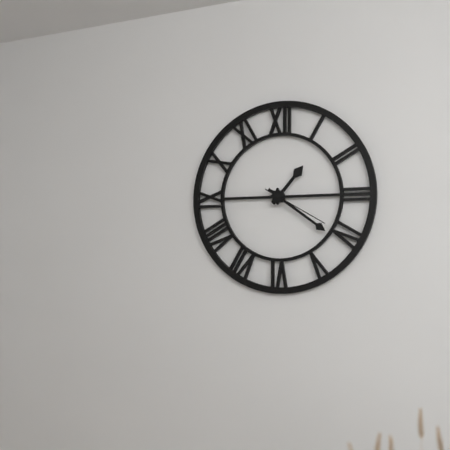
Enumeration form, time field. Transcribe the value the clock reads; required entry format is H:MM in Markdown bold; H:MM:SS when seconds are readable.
**1:21:20**
